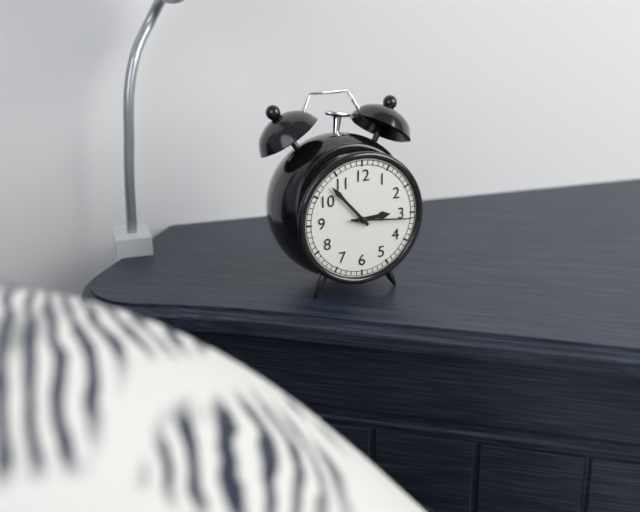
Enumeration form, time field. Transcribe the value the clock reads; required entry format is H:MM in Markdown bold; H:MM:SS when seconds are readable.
**2:53:16**
